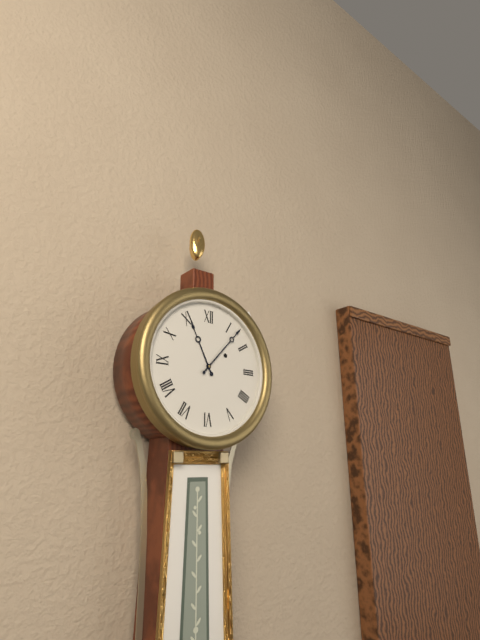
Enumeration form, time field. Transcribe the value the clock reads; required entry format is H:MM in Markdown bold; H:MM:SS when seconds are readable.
**11:07**
